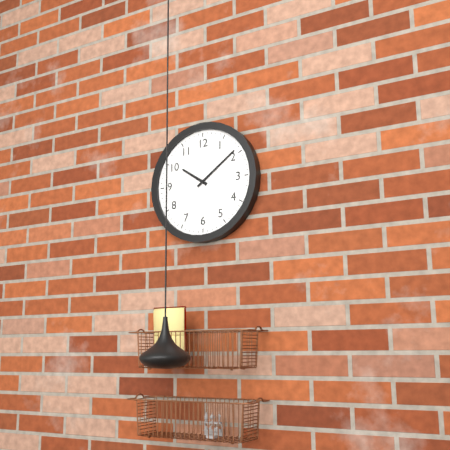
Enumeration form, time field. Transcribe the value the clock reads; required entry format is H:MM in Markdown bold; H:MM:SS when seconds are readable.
**10:09**
